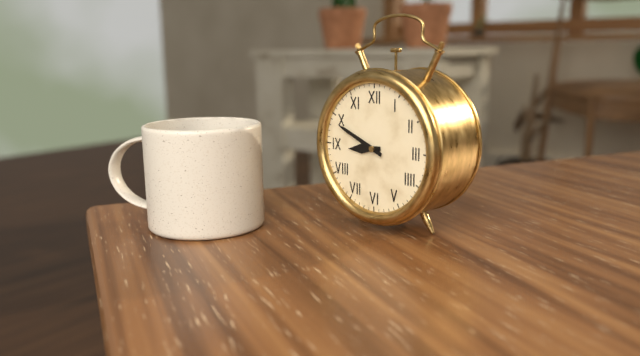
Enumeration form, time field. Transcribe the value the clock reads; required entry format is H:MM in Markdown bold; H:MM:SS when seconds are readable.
**8:49**
